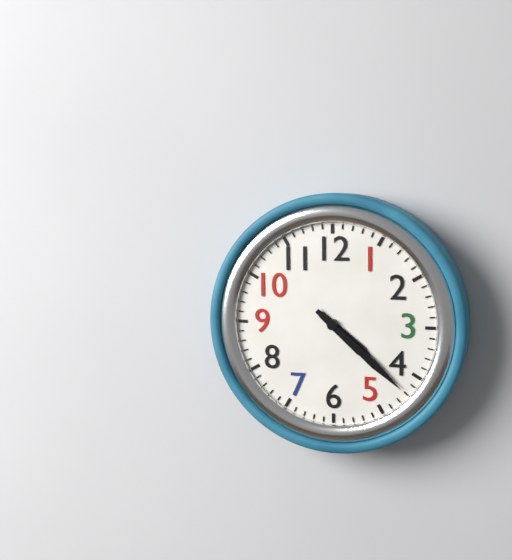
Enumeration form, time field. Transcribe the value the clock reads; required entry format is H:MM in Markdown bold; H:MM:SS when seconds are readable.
**4:22**
